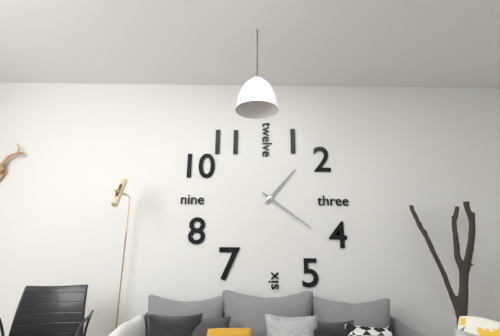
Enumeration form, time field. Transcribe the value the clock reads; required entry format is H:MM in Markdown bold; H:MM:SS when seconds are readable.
**1:21**
